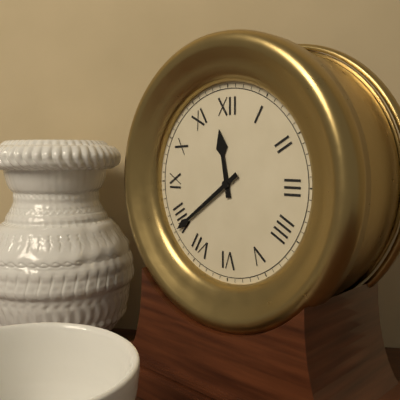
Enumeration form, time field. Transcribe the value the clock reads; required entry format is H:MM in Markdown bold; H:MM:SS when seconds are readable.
**11:39**
